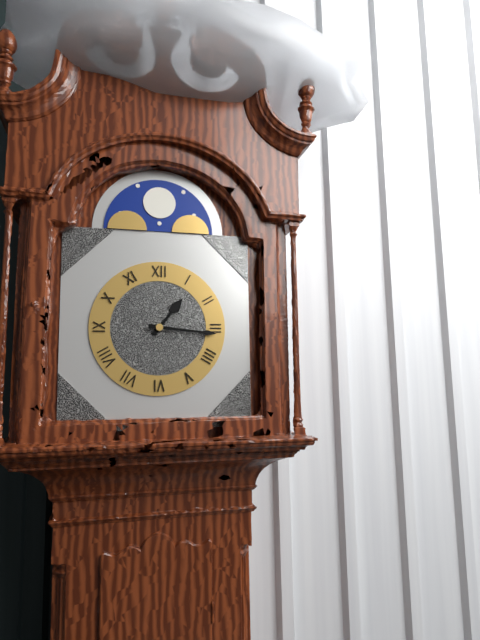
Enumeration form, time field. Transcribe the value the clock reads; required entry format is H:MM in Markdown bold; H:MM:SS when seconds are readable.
**1:16**
